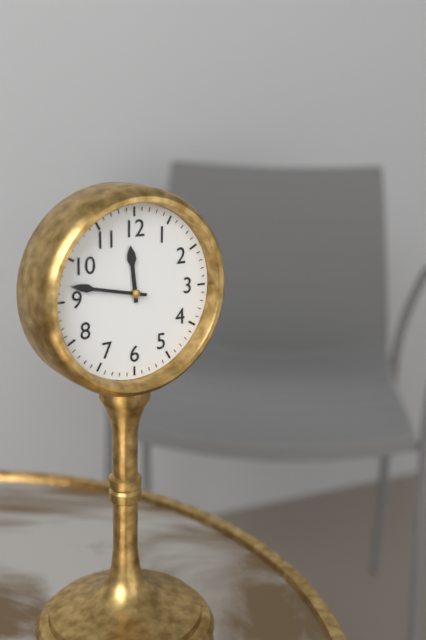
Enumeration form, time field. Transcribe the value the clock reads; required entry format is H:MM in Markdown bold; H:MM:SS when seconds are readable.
**11:47**
